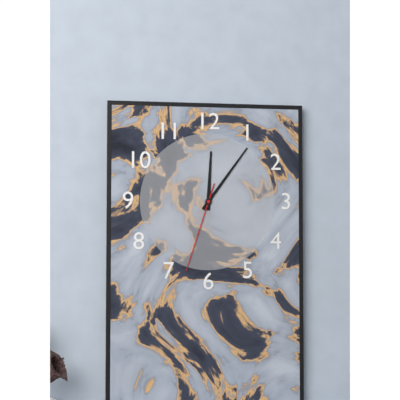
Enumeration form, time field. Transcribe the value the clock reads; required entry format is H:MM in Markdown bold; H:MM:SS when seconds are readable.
**12:06:33**
